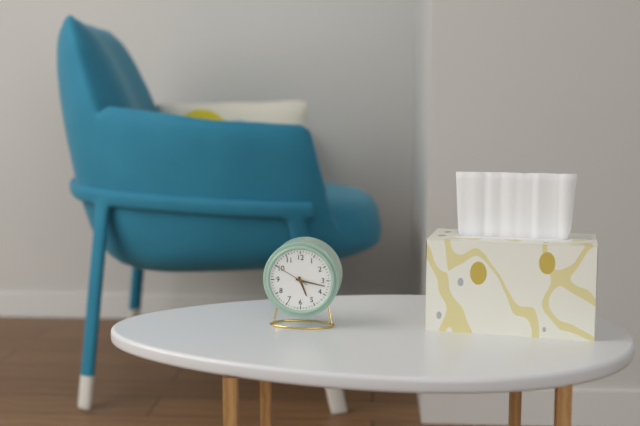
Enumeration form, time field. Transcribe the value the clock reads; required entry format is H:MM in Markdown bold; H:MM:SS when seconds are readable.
**5:17**
